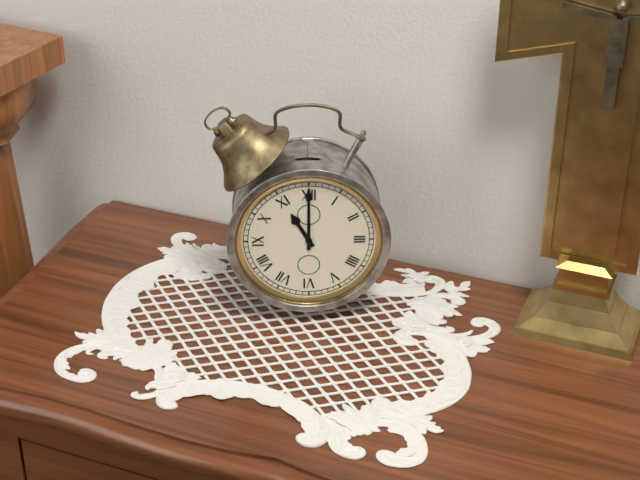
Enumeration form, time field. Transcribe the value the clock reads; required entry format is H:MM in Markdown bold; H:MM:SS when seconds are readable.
**11:00**
